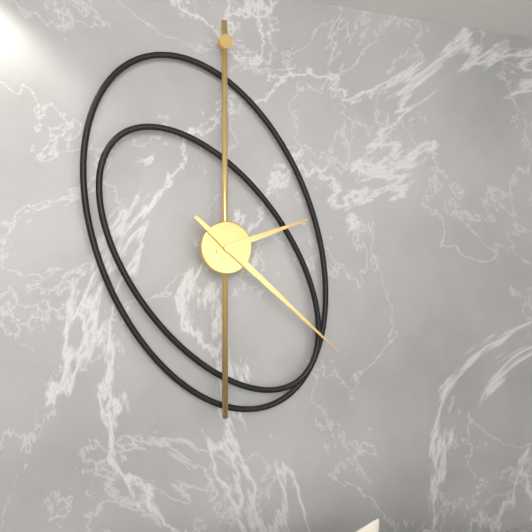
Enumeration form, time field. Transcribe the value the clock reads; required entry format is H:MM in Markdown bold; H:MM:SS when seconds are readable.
**2:22**
